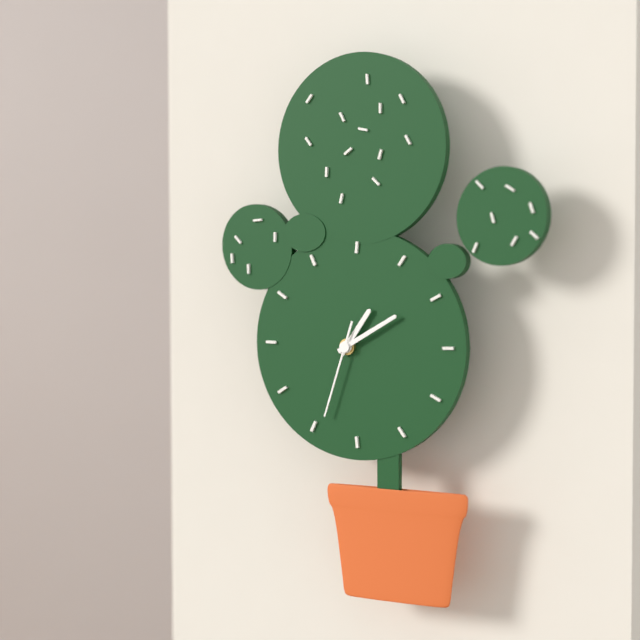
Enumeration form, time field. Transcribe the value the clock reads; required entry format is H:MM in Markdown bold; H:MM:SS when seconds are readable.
**1:10:33**
